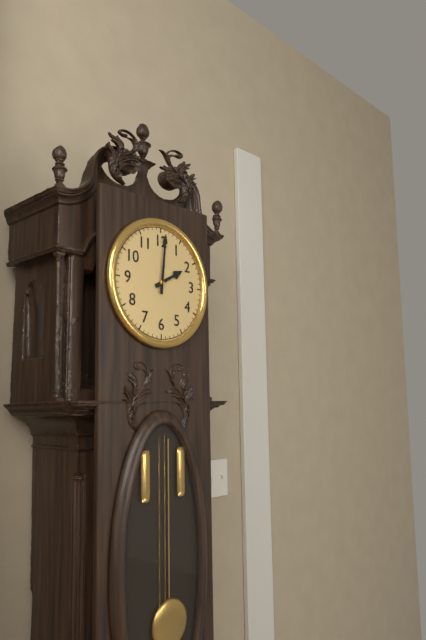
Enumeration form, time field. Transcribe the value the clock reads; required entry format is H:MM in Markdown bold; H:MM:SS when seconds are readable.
**2:01**
